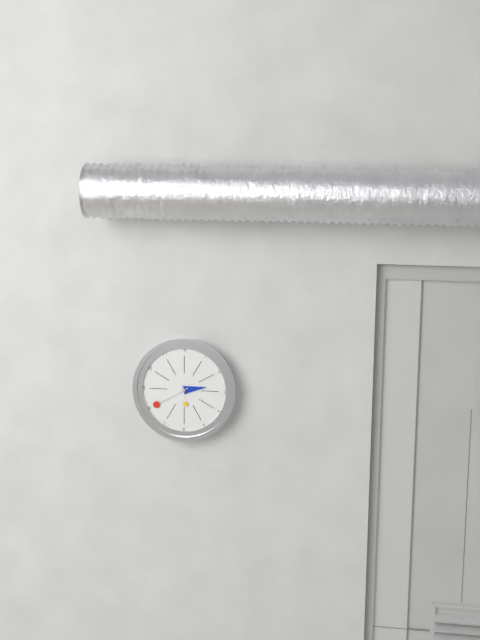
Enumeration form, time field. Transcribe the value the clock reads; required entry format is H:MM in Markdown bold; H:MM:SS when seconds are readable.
**2:40**
